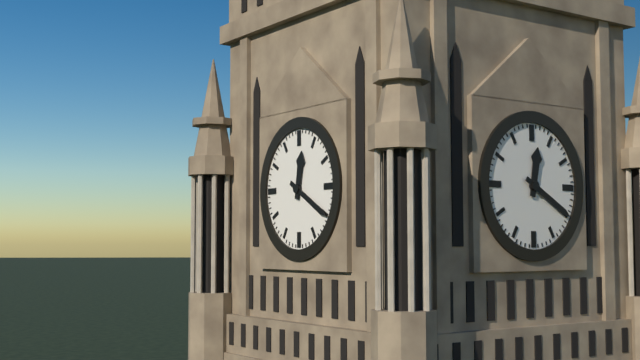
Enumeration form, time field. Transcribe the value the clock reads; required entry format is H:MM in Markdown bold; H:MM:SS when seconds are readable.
**12:20**
